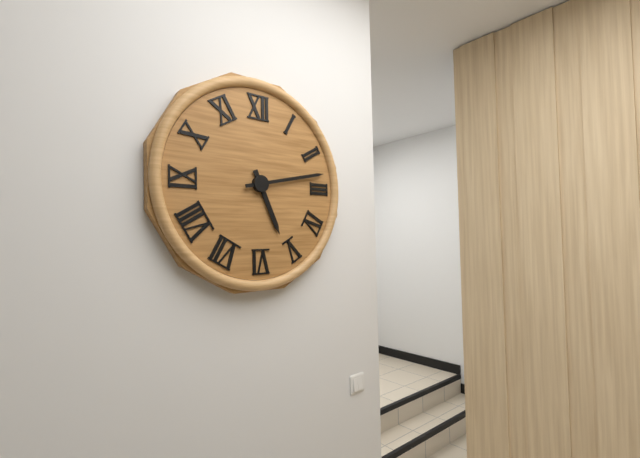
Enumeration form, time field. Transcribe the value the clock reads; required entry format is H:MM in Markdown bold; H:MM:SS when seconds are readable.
**5:13**
